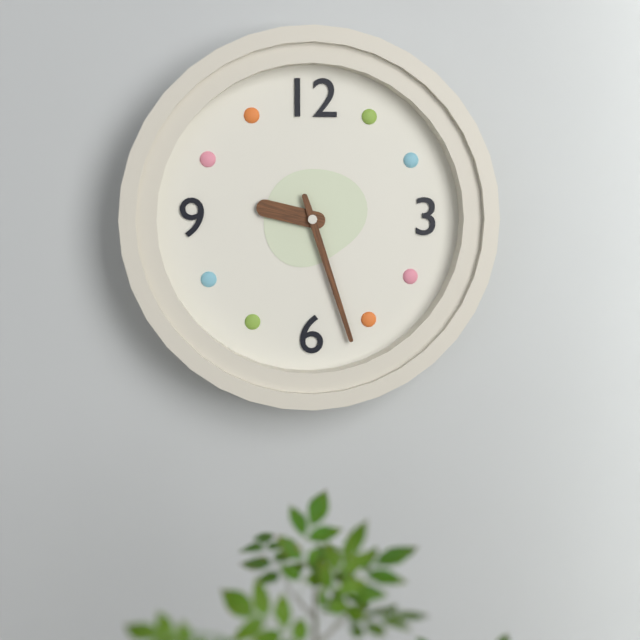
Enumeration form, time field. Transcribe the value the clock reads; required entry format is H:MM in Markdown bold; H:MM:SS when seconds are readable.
**9:27**
